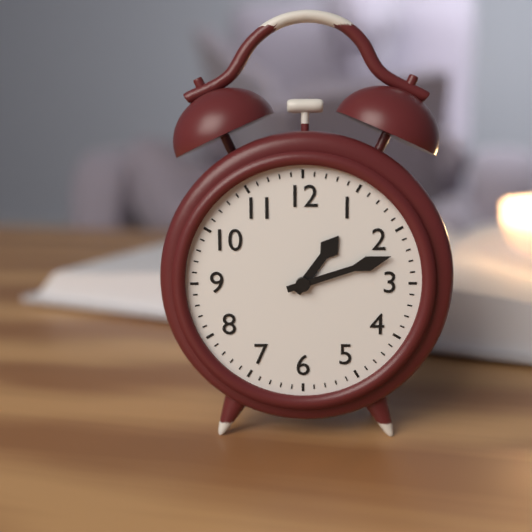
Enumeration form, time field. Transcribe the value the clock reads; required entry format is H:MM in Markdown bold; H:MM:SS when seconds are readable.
**1:12**
